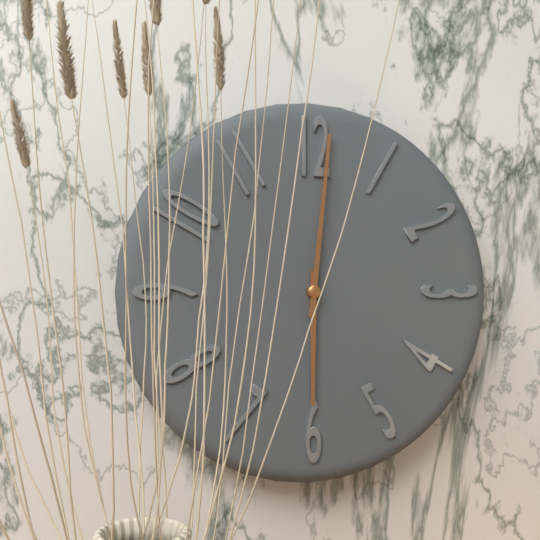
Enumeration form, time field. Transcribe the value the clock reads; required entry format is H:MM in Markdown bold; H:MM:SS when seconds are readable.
**6:01**
